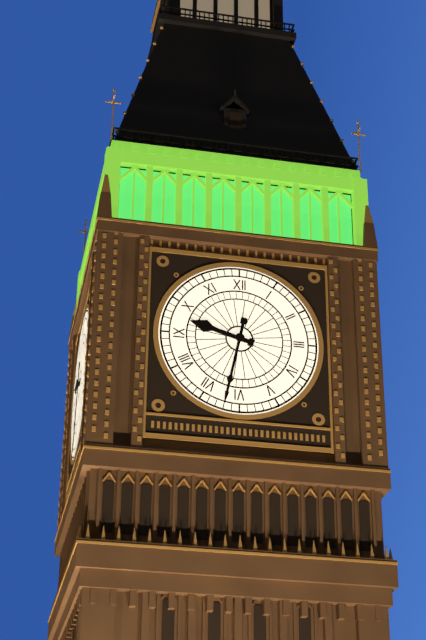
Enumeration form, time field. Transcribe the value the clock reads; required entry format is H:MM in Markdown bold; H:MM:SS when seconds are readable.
**9:32**
